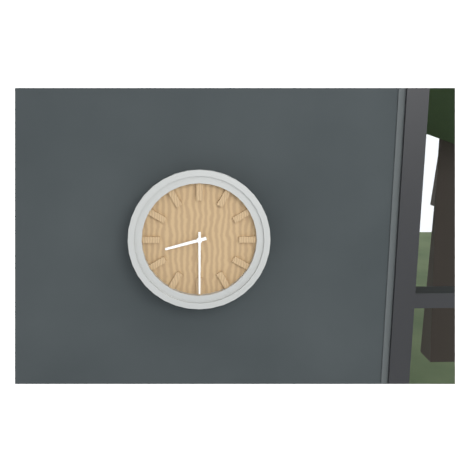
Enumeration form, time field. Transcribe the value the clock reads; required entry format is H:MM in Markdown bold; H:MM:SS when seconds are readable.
**8:30**
